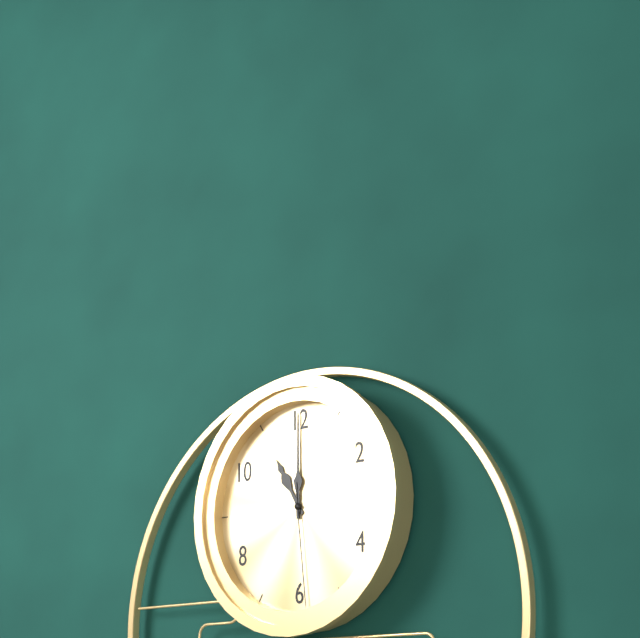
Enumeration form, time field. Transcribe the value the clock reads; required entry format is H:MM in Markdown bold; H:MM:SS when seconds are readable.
**11:00:29**
